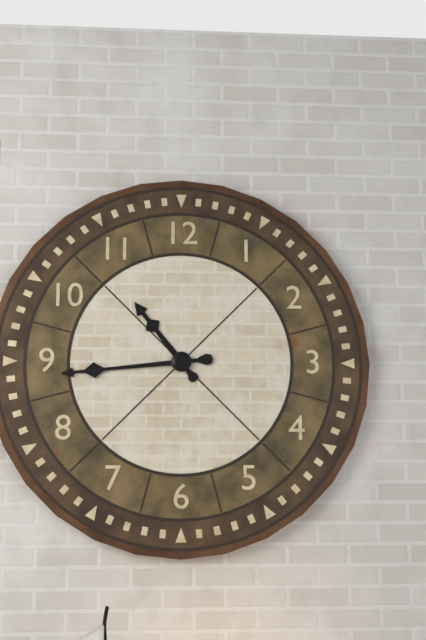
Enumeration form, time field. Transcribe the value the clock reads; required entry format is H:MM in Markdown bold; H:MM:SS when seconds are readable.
**10:44**
